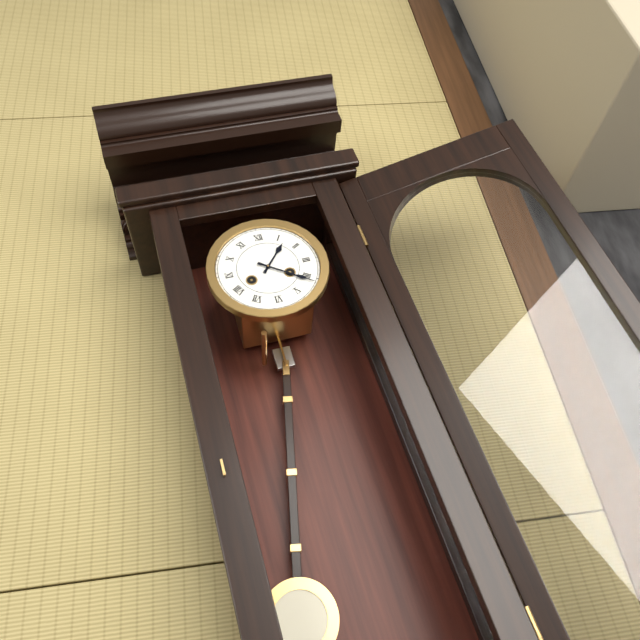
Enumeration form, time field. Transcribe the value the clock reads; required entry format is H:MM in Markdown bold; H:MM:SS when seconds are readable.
**1:21**
